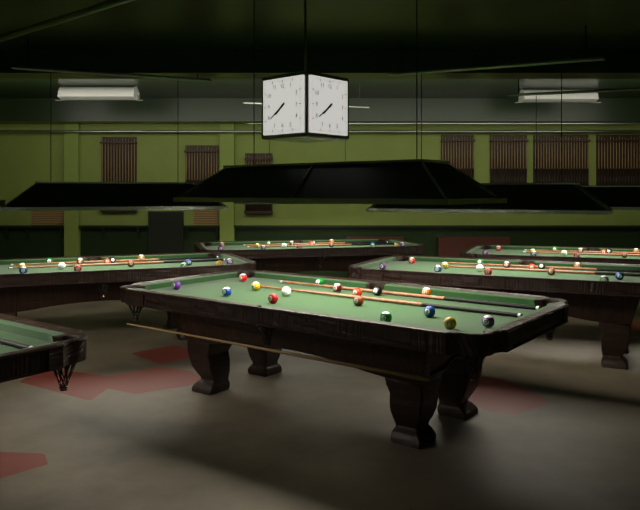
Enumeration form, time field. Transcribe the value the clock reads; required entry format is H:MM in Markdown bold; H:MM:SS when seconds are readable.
**7:39**
